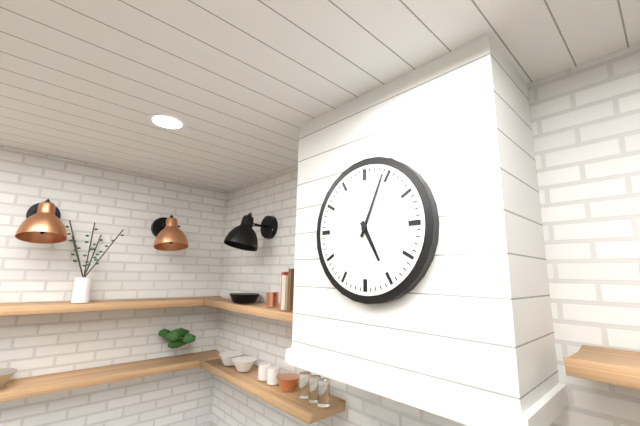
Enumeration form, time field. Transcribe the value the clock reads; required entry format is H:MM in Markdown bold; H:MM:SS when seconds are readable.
**5:04**
